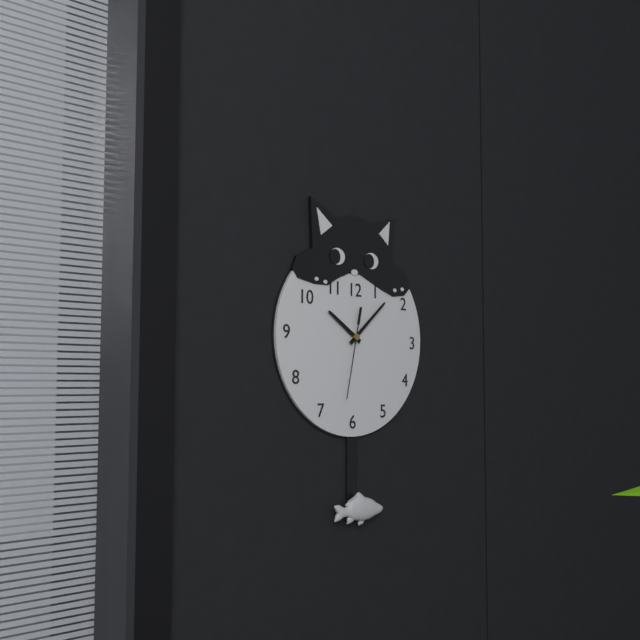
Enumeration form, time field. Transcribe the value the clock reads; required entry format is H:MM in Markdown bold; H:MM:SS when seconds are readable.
**10:08:32**
